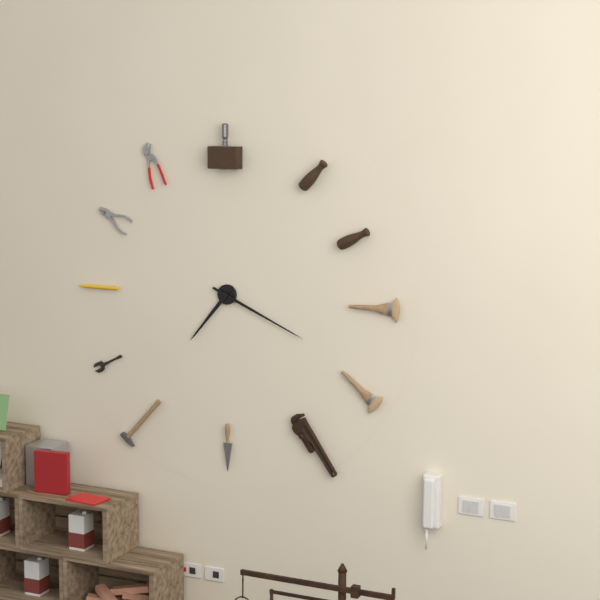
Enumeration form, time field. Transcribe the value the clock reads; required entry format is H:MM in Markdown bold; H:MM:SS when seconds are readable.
**7:19**
